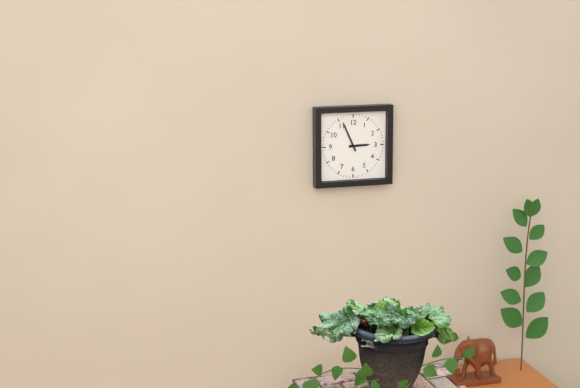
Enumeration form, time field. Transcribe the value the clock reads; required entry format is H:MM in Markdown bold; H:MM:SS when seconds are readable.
**2:56**
